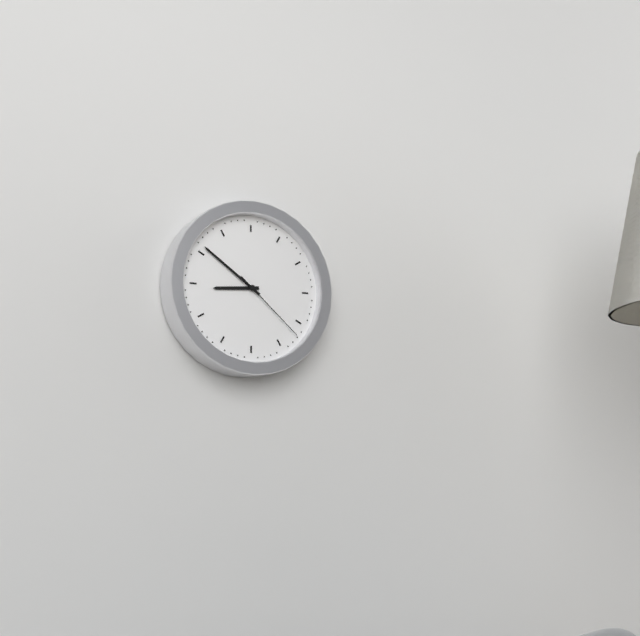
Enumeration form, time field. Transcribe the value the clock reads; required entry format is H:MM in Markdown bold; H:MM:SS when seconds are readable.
**8:51:22**
